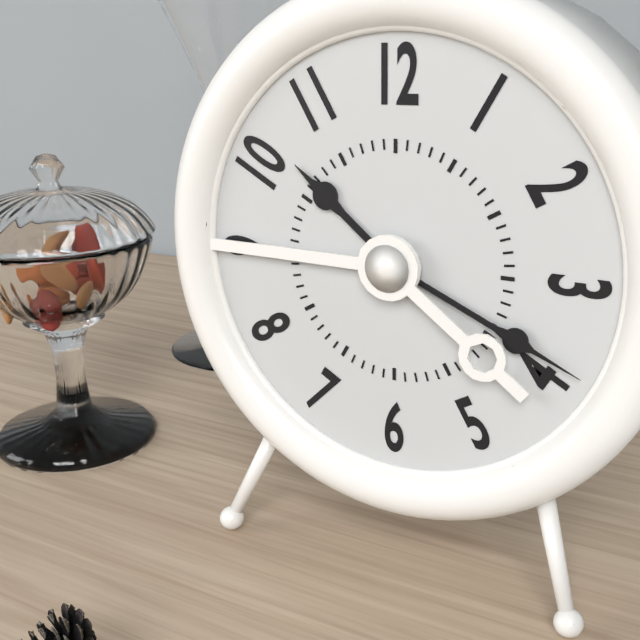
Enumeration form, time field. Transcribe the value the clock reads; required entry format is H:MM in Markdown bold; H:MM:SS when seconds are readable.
**10:19**
